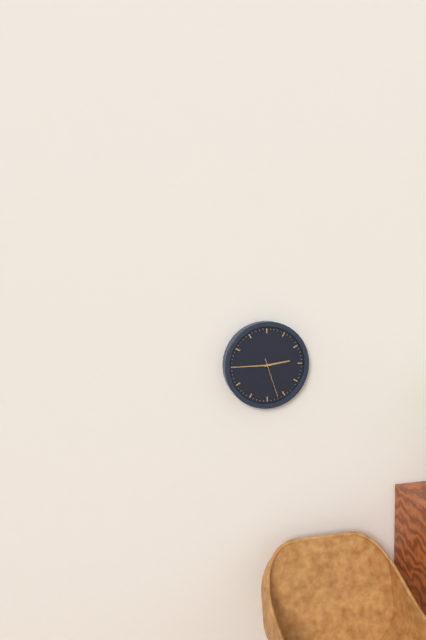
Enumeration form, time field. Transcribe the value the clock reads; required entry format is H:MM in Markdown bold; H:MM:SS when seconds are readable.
**2:45**
